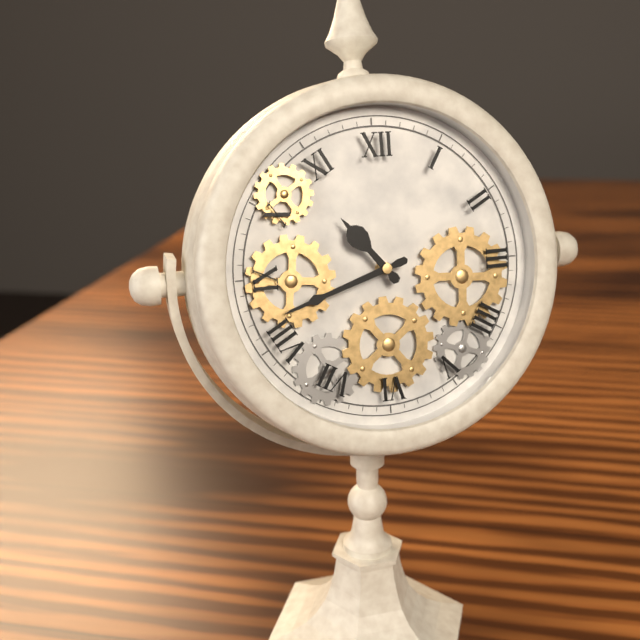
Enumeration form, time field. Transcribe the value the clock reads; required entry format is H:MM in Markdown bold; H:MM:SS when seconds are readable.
**10:42**
